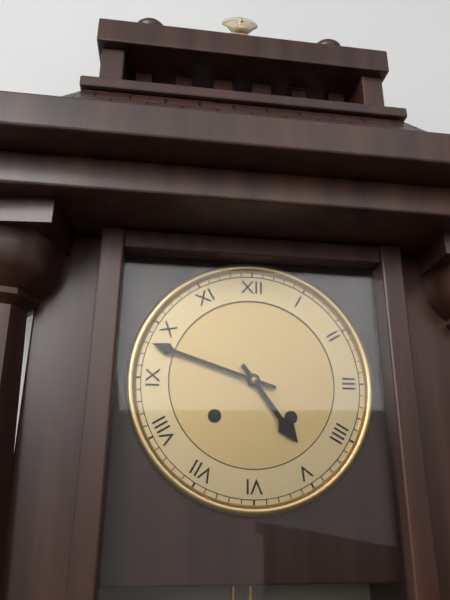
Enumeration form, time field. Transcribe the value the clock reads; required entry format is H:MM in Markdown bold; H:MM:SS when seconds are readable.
**4:48**
